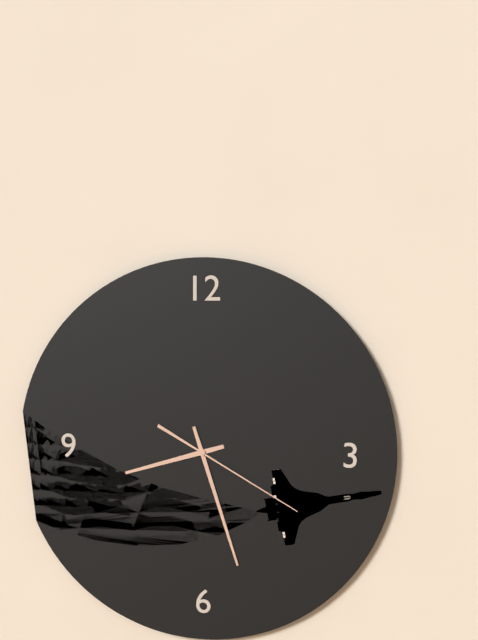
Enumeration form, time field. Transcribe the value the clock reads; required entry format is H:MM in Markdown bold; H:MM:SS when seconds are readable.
**8:27:20**
